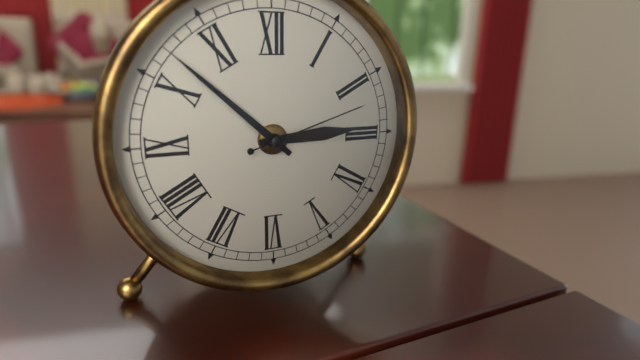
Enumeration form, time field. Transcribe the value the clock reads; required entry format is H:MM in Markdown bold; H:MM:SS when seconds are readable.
**2:52:12**
